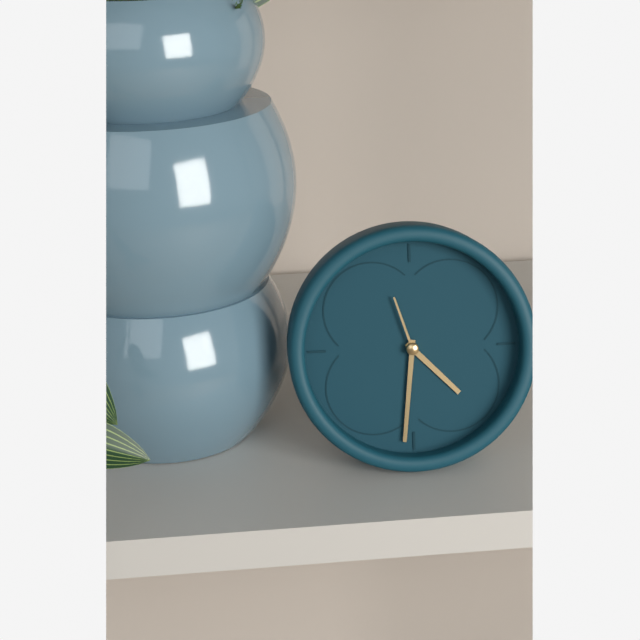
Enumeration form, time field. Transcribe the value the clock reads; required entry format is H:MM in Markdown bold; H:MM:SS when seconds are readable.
**4:31:57**
